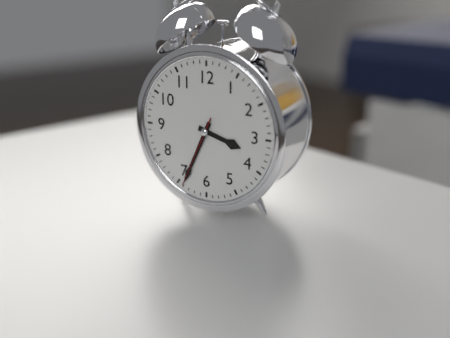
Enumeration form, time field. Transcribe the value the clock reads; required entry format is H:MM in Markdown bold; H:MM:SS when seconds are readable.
**3:34:34**
